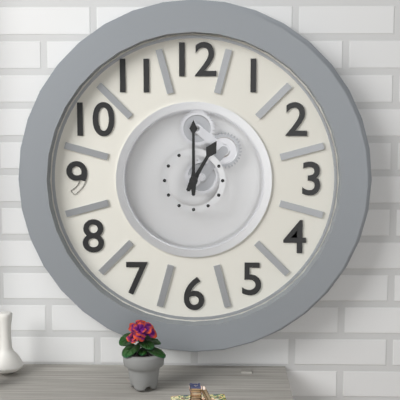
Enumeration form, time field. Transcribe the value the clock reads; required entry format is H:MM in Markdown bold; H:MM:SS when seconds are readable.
**1:00**
